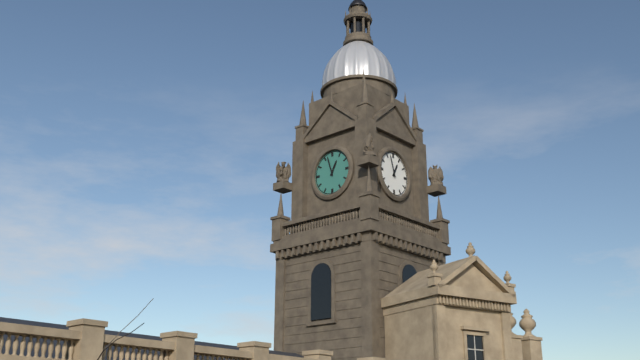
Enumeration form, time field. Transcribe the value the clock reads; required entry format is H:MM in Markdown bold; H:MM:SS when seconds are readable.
**12:57**
